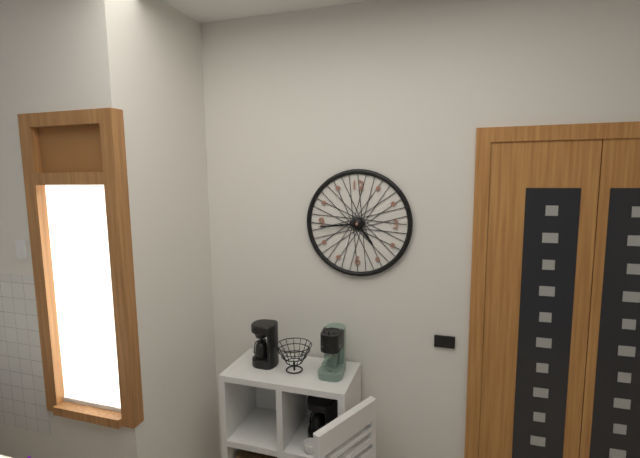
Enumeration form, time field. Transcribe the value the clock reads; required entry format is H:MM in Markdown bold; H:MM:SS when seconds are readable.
**4:44**
